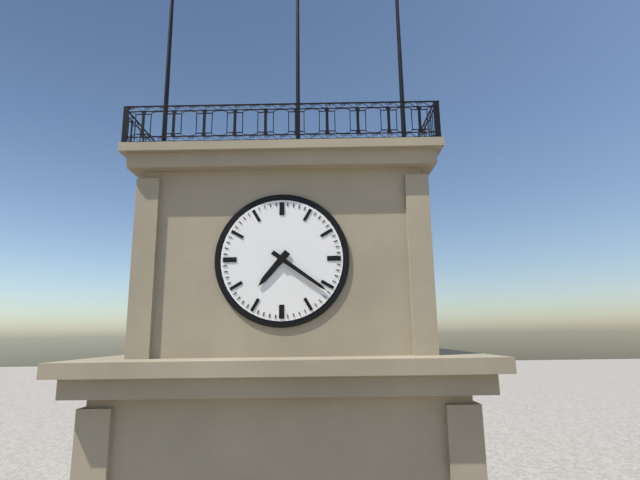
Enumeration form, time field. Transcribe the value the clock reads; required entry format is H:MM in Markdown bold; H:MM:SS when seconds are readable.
**7:21**
